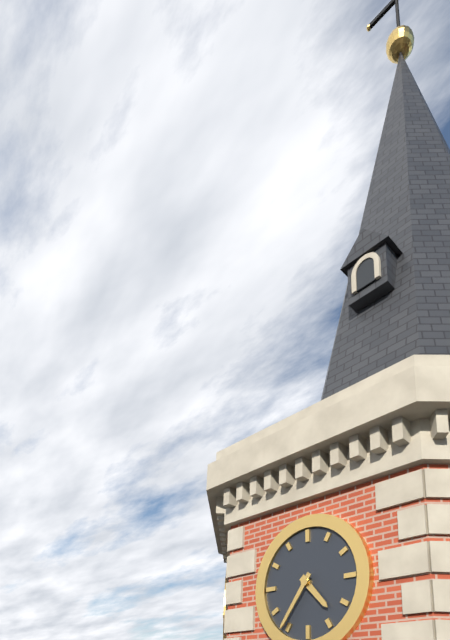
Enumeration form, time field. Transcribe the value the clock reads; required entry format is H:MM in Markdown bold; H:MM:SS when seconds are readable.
**4:36**
